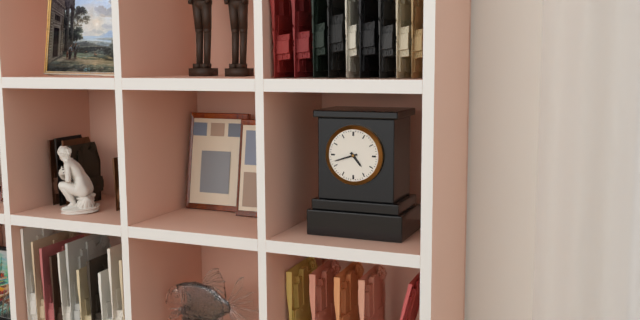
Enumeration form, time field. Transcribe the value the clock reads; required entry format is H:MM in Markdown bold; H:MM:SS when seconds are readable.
**4:42**
